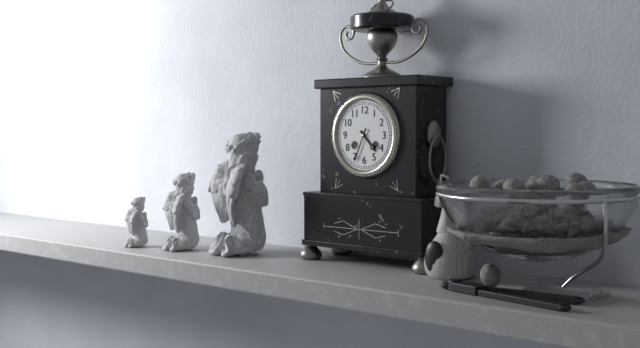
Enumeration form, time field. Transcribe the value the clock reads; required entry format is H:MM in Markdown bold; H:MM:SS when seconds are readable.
**4:34**
